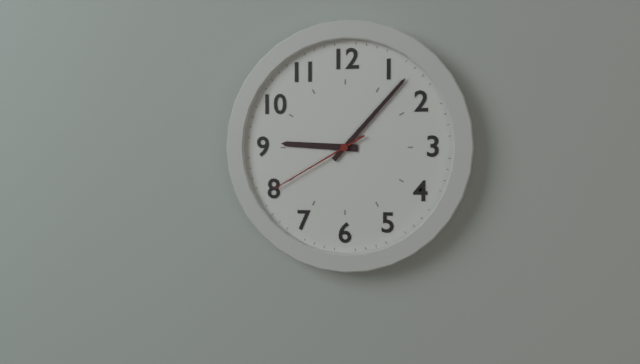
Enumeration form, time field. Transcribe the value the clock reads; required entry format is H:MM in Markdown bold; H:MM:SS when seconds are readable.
**9:07:40**
